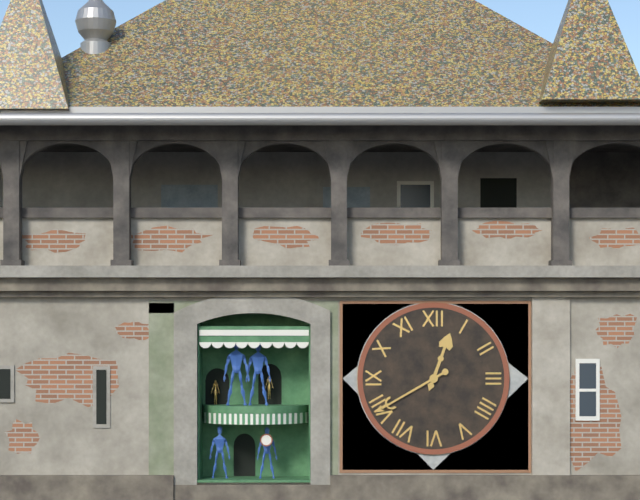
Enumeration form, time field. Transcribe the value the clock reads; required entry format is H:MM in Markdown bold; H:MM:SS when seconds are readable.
**12:40**
